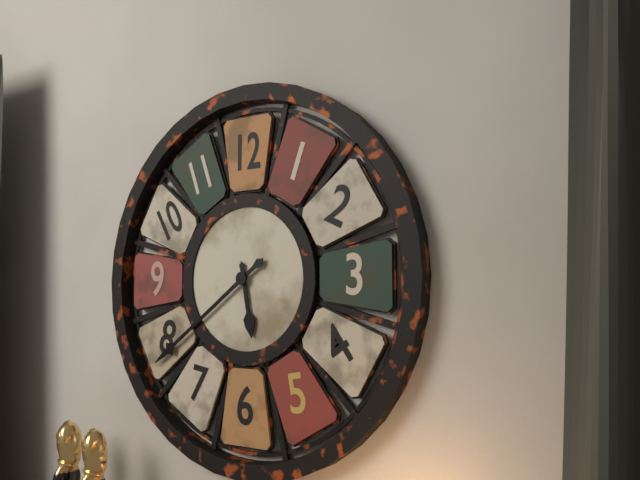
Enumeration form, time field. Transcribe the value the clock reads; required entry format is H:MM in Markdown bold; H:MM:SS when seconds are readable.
**5:39**
